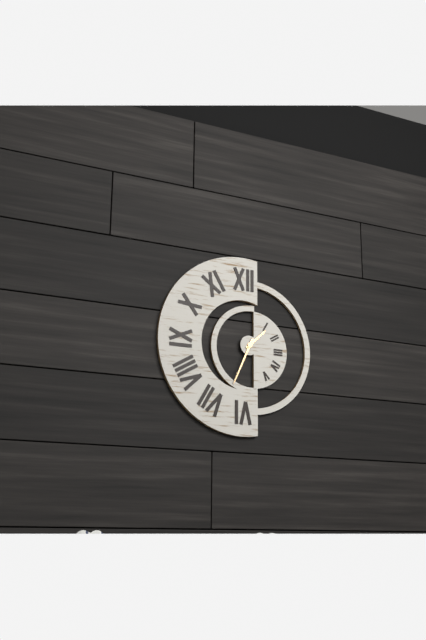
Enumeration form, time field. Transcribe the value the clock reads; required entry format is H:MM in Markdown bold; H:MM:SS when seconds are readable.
**1:34**
